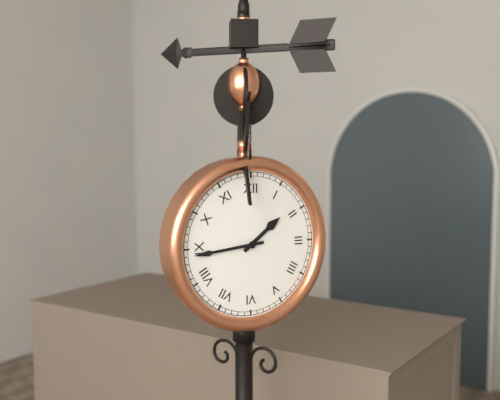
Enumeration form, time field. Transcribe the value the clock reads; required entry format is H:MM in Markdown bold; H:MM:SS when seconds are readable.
**1:44**
